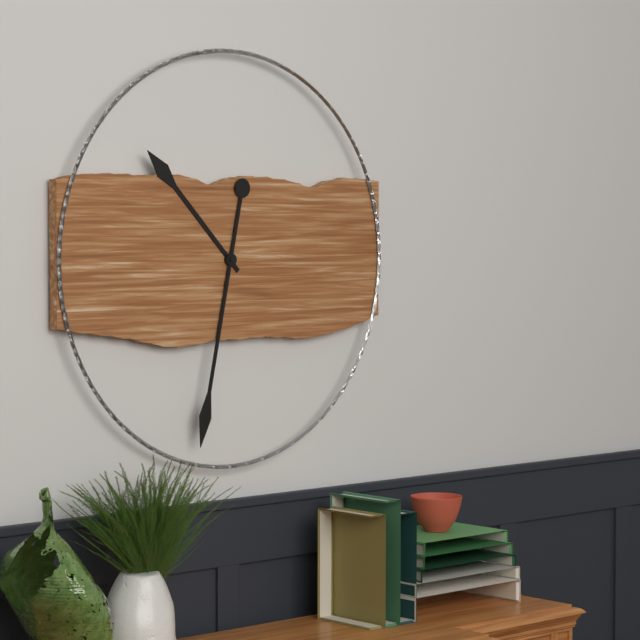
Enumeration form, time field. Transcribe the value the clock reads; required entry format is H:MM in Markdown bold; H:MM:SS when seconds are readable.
**10:32**
